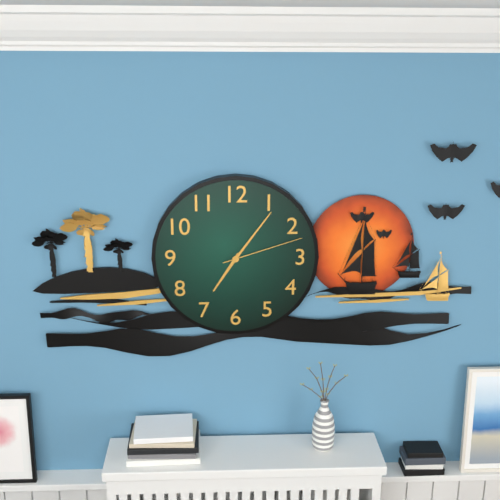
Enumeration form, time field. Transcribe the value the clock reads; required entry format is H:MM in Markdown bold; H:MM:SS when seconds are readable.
**7:06:12**
